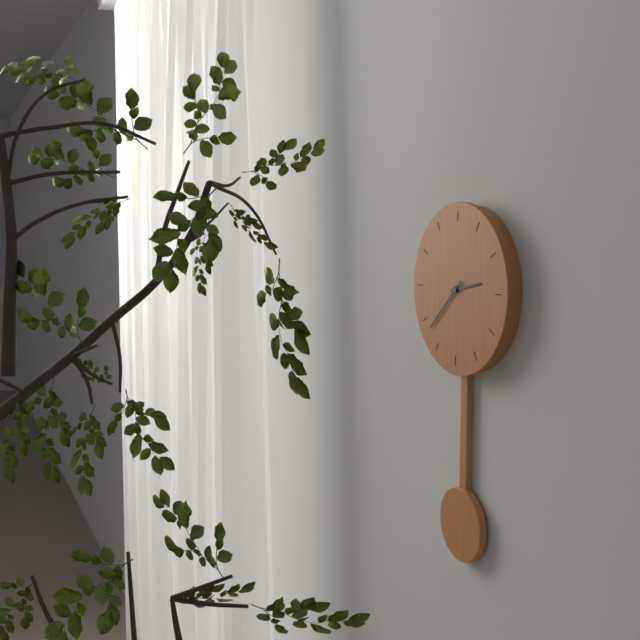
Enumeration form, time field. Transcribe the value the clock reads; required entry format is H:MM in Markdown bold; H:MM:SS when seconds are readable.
**2:38**
